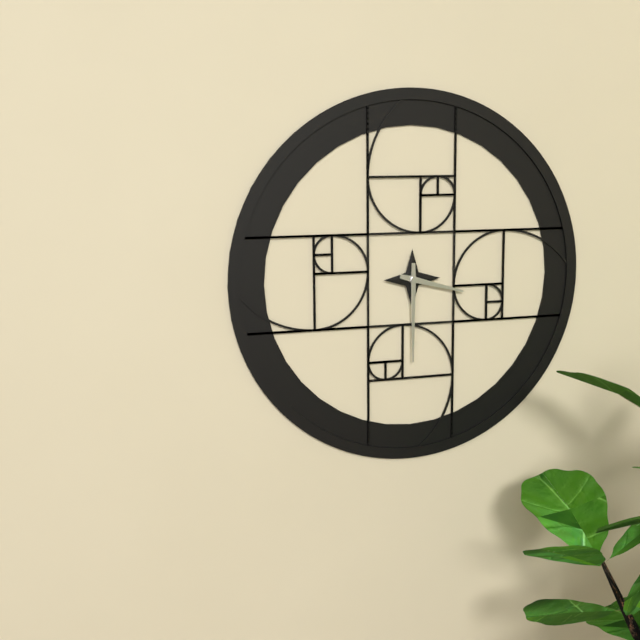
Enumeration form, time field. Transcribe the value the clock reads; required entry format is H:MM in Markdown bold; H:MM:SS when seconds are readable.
**3:30**
